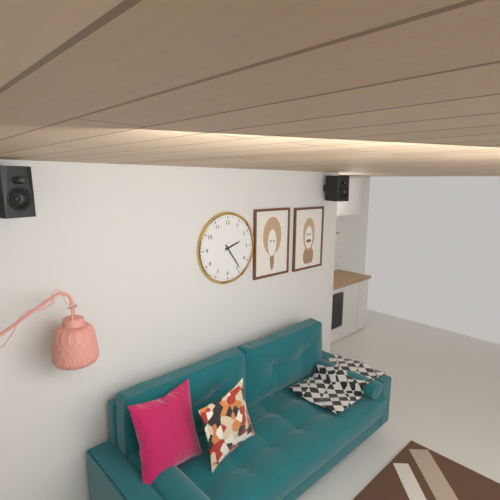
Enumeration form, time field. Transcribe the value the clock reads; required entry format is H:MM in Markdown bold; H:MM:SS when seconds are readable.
**2:24**
